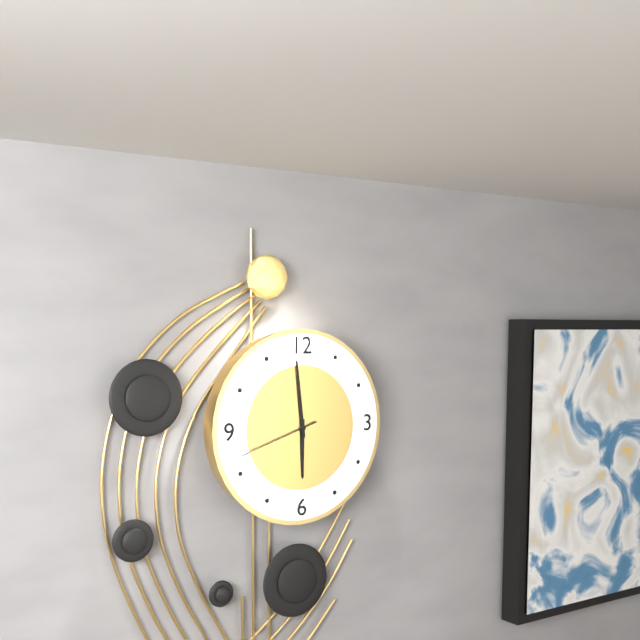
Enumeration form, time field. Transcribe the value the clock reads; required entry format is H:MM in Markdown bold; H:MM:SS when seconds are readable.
**5:59:42**
